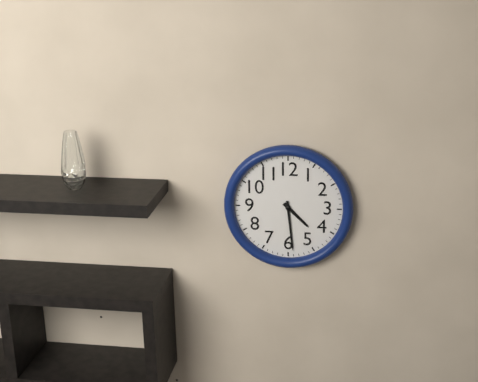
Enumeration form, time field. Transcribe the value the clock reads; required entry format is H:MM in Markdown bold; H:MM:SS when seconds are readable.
**4:29**
